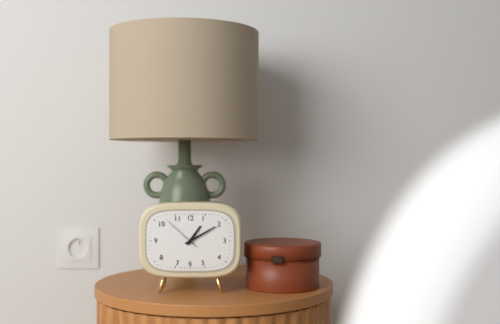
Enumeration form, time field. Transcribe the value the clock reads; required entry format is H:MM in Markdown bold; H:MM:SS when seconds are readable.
**1:10**
